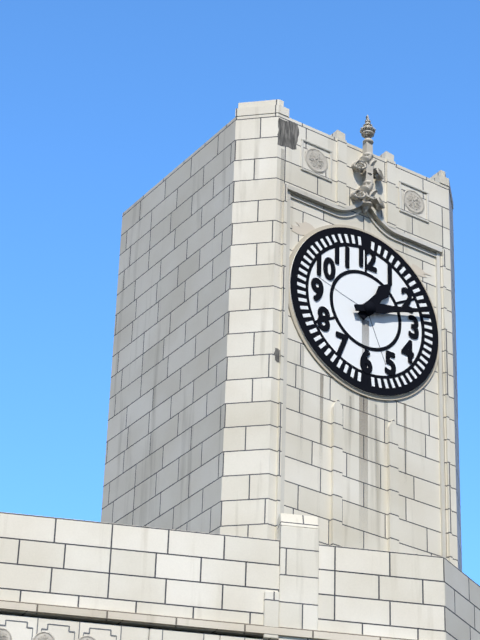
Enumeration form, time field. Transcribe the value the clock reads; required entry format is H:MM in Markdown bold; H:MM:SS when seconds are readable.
**1:12**
